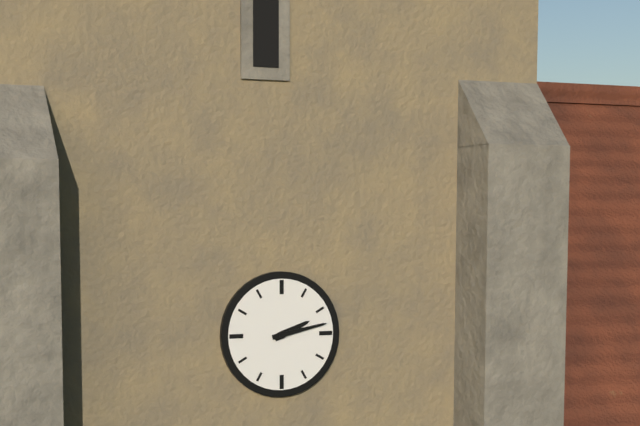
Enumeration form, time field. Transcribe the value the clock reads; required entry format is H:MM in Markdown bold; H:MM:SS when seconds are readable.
**2:13**
